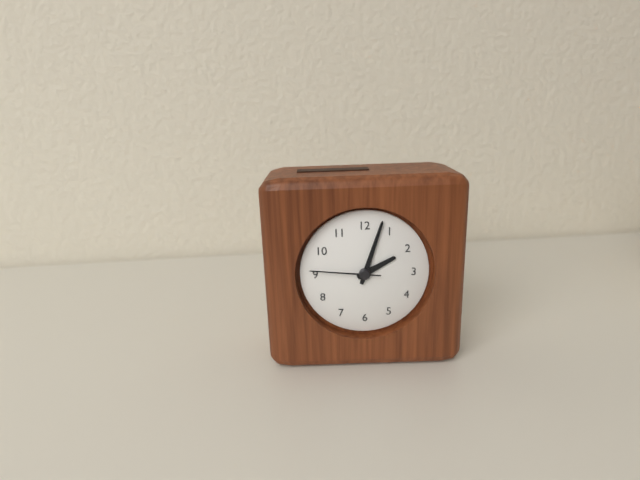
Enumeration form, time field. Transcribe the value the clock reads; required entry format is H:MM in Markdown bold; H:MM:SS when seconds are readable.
**2:03:46**
